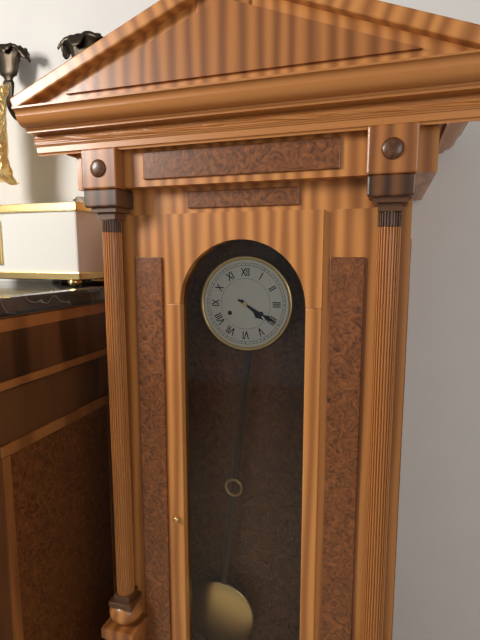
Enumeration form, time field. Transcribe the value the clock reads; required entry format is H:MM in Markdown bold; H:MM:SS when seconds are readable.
**4:20**
